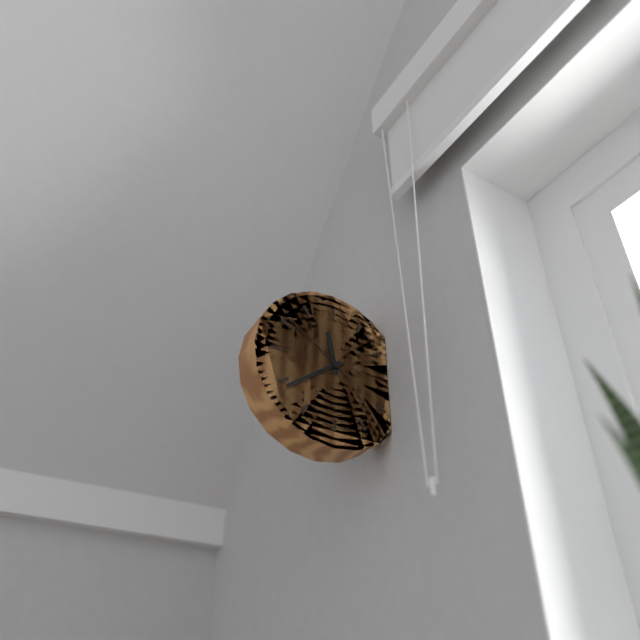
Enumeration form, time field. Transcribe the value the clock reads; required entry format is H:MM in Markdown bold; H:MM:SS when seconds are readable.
**11:39:51**
